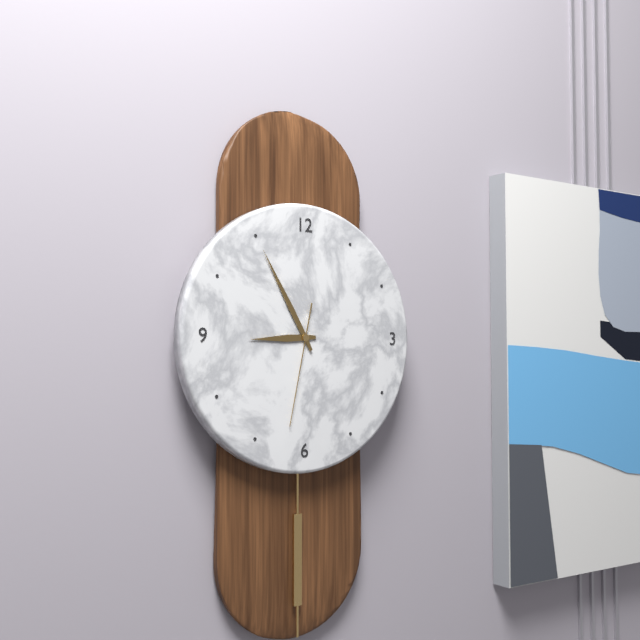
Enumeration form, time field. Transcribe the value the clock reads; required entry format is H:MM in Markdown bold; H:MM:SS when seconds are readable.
**8:55:32**
